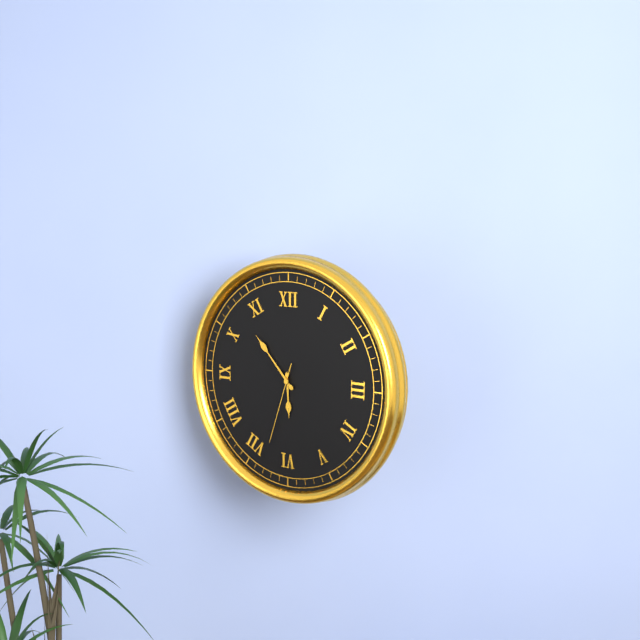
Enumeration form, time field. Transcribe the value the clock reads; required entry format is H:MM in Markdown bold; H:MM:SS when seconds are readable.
**5:53:33**
